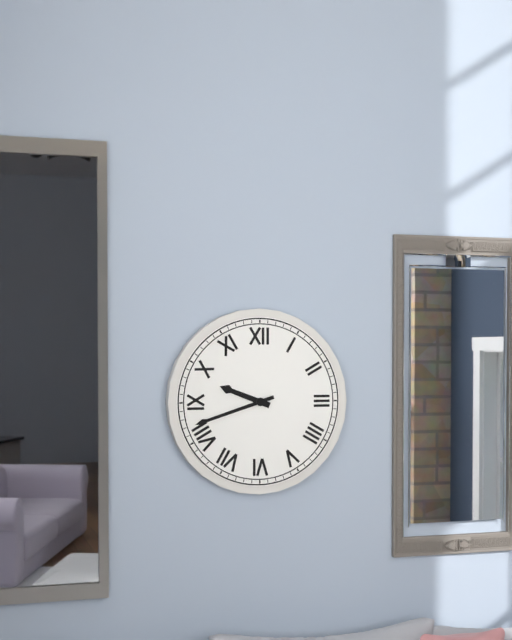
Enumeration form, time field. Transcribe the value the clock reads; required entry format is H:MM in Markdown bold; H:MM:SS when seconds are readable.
**9:42**
